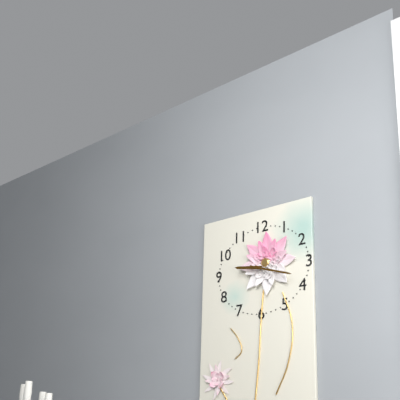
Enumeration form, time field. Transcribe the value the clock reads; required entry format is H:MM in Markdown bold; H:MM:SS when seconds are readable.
**9:18**
